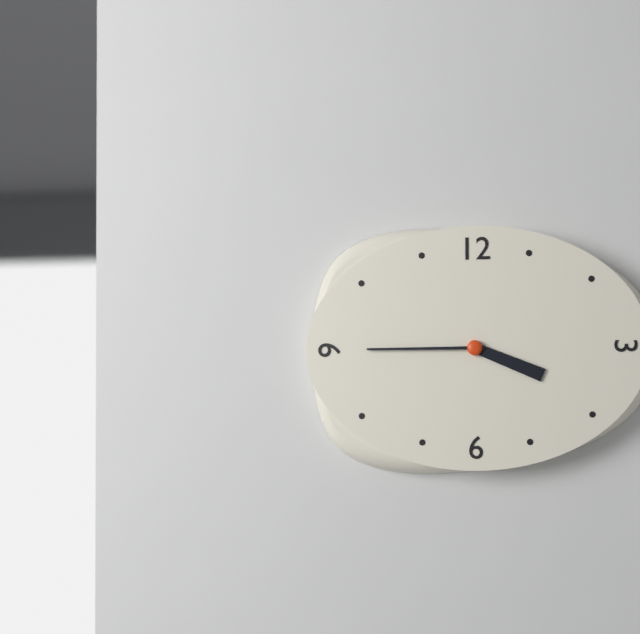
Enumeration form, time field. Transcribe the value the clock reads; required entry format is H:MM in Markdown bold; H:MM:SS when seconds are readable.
**3:45**
